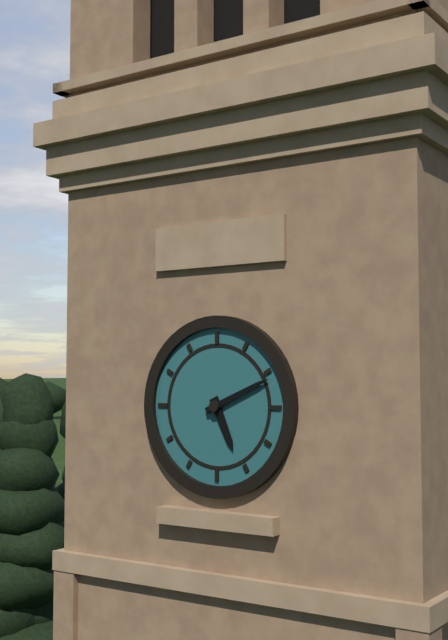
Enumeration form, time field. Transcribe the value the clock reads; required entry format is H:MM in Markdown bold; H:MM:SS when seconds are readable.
**5:11**
